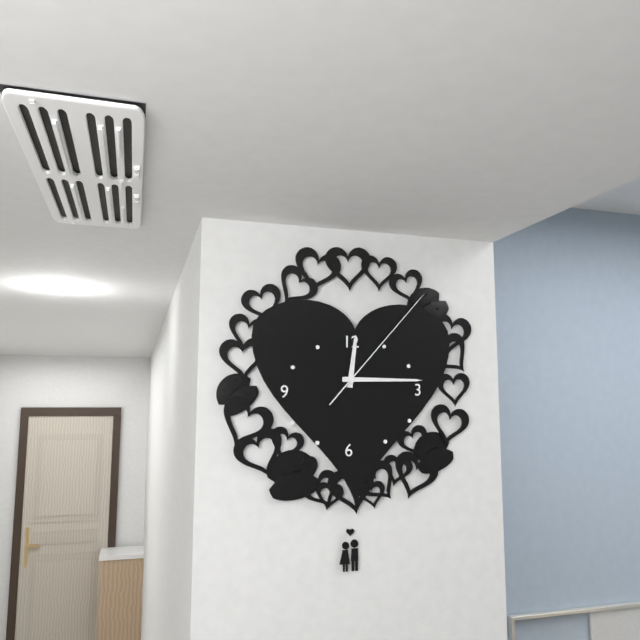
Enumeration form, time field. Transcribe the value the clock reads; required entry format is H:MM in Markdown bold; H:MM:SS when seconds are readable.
**12:15:07**
